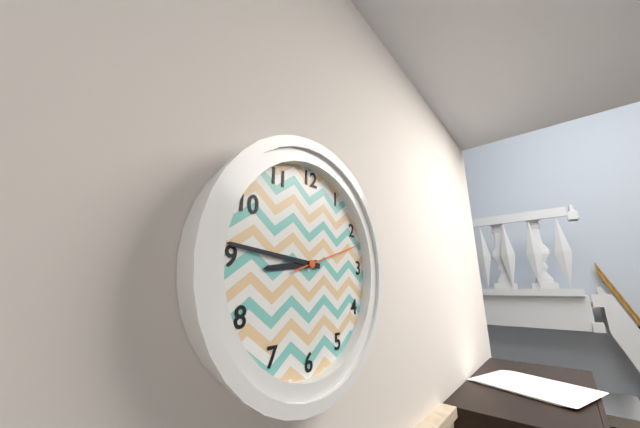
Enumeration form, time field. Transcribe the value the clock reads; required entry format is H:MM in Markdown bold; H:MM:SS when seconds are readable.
**8:46:12**
